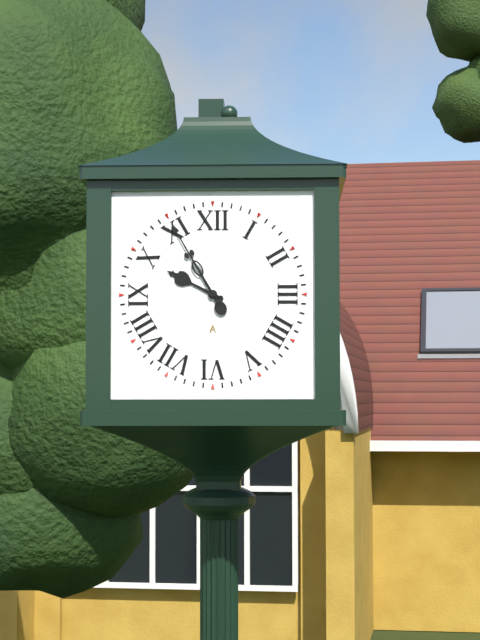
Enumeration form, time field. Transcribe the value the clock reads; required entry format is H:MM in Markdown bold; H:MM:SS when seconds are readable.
**9:55**
